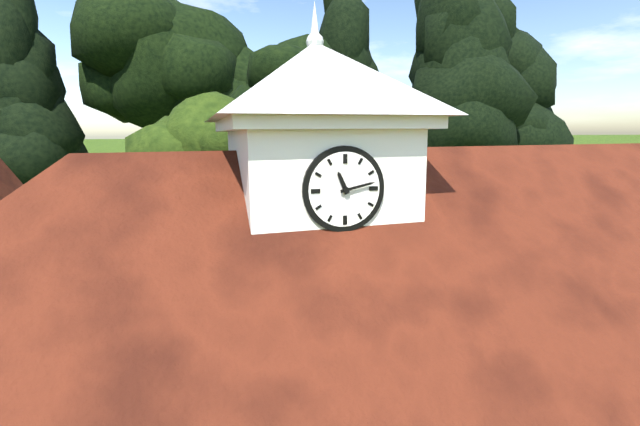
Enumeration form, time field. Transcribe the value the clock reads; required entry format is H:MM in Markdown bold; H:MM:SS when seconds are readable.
**11:13**
